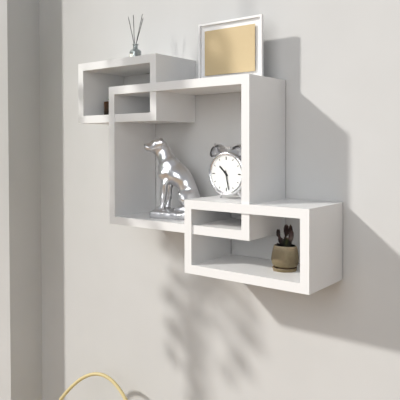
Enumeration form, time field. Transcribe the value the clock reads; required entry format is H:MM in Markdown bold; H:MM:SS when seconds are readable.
**10:28**
